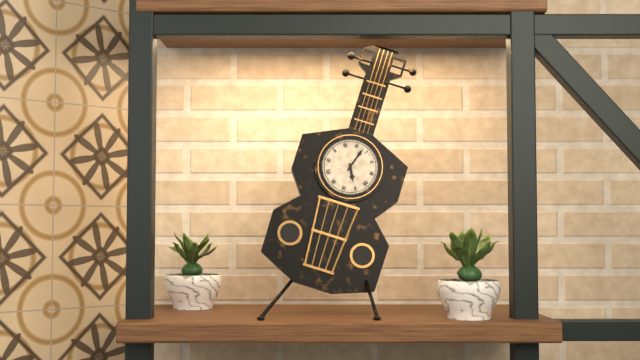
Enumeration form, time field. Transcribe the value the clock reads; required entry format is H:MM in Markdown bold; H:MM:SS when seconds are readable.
**5:03**
